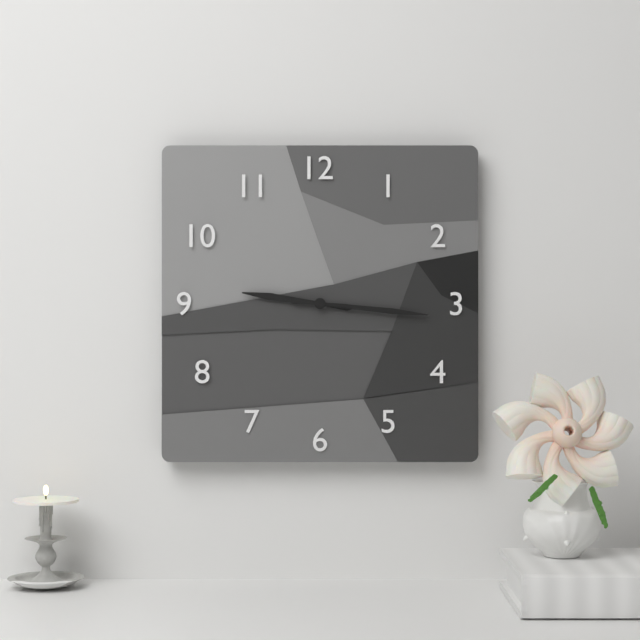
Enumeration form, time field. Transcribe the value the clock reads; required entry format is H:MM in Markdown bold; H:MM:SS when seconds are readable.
**9:16**
